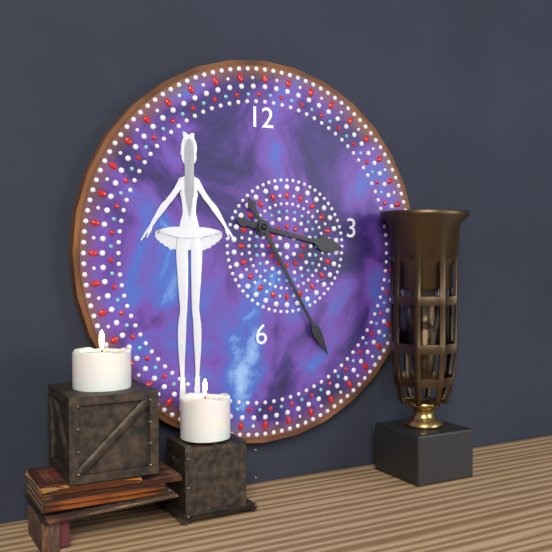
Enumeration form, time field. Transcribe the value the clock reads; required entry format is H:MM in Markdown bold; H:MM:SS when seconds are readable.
**3:25**
